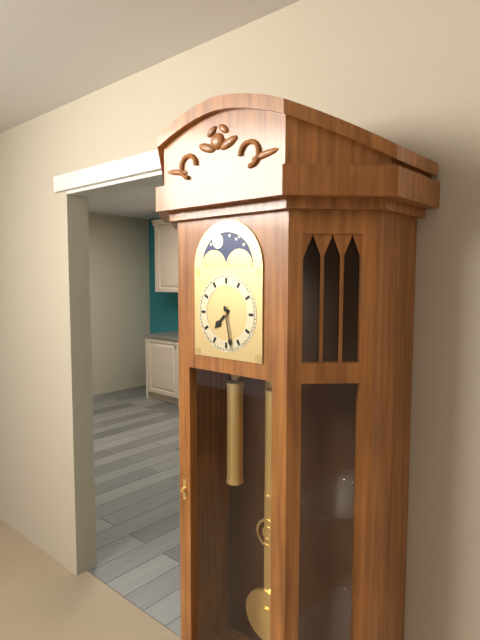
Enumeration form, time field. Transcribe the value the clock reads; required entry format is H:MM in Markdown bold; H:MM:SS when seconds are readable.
**7:28**
